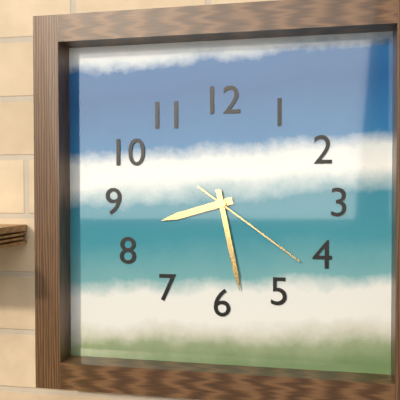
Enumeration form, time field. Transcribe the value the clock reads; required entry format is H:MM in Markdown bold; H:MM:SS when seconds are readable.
**8:28:21**
